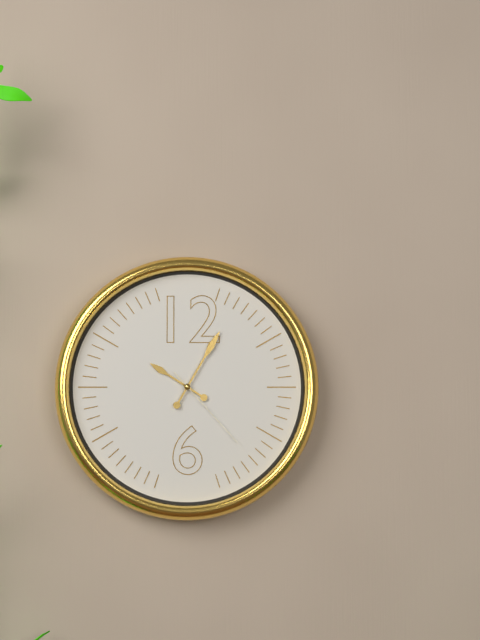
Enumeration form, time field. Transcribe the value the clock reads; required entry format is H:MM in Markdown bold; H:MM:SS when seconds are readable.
**10:05:23**
